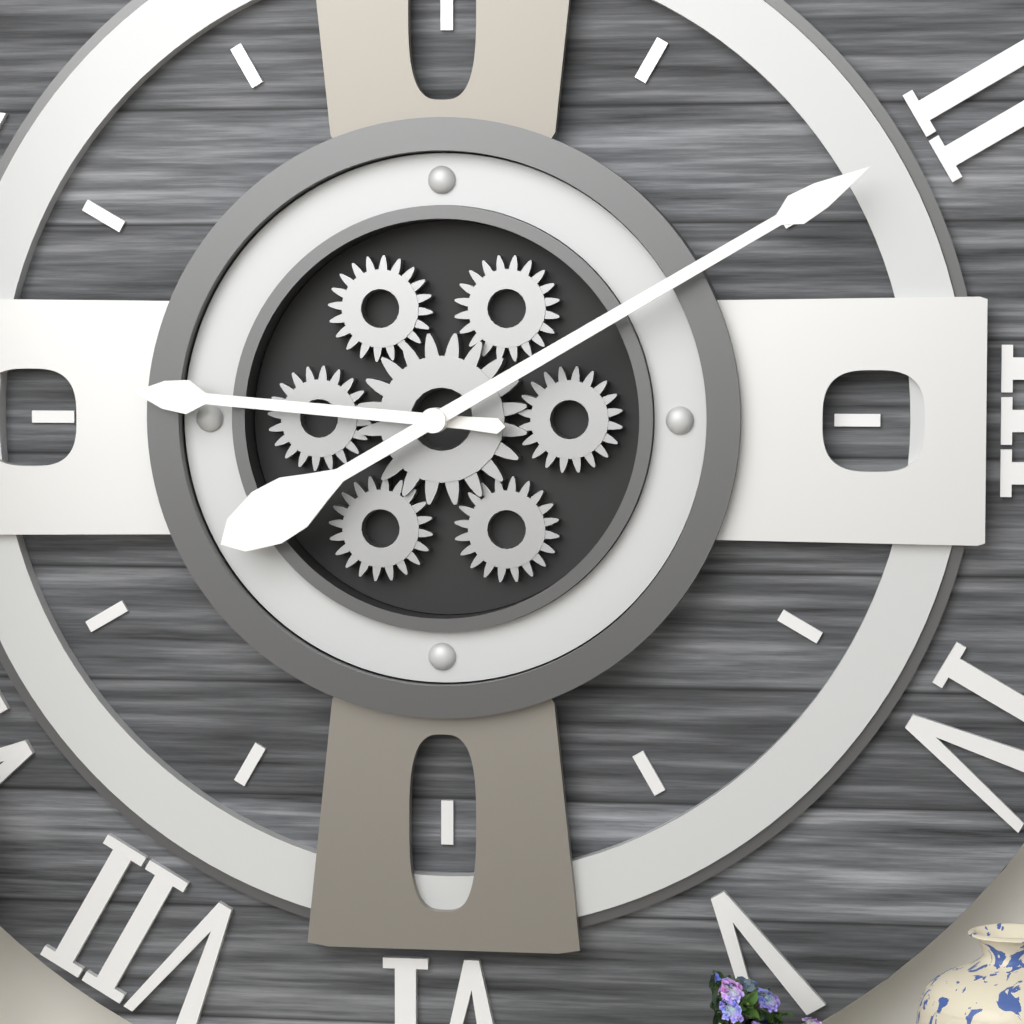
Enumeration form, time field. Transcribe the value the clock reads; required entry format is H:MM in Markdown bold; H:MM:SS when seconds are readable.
**9:10**
